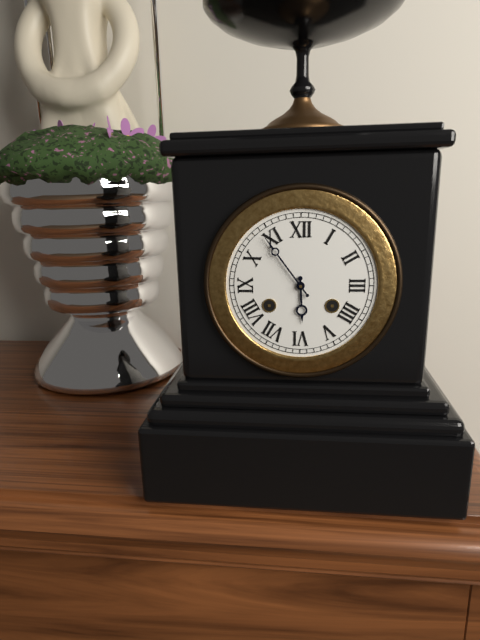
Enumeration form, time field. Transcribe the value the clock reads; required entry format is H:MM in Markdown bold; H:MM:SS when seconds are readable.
**5:54**
